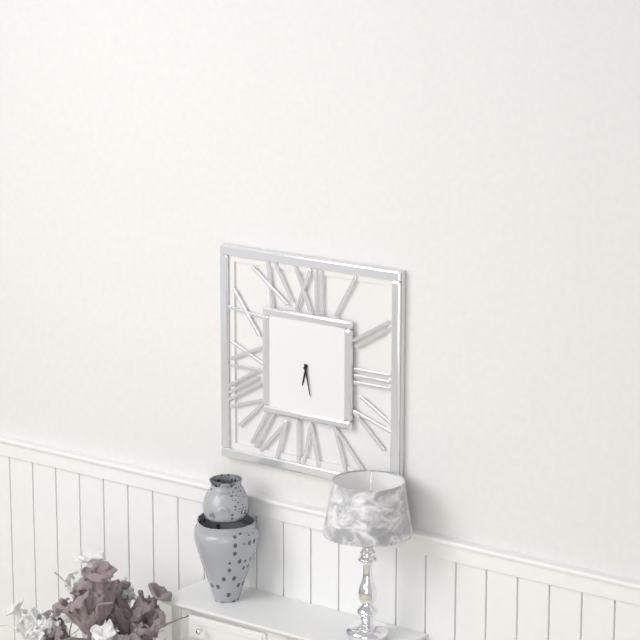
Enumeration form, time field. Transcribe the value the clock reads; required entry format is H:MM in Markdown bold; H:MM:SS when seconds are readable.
**6:28**
